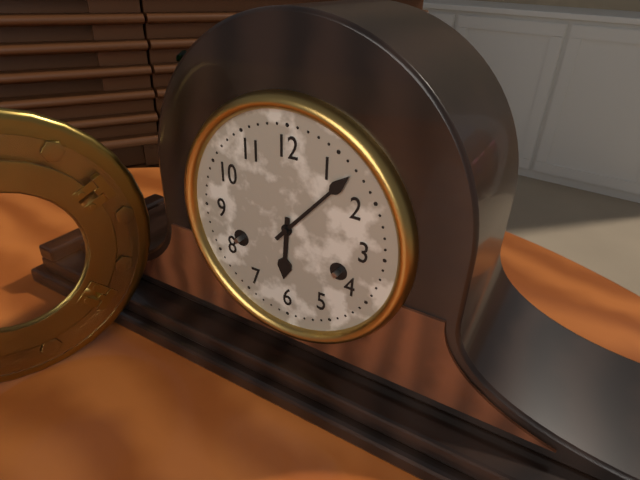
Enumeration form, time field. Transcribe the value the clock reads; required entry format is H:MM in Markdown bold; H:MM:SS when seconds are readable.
**6:07**
